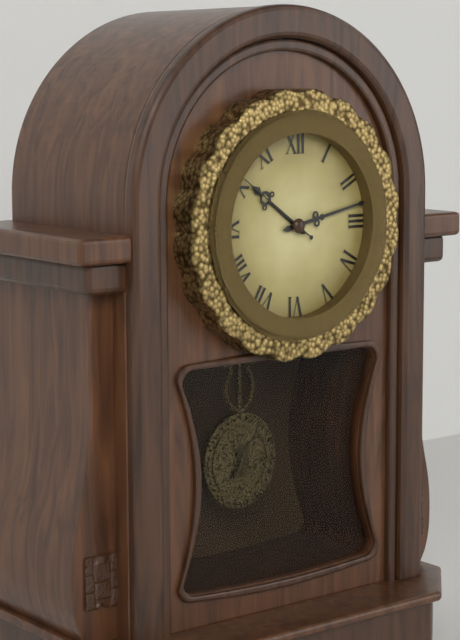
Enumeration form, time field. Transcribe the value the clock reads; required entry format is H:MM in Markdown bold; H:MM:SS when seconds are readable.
**10:13:51**
